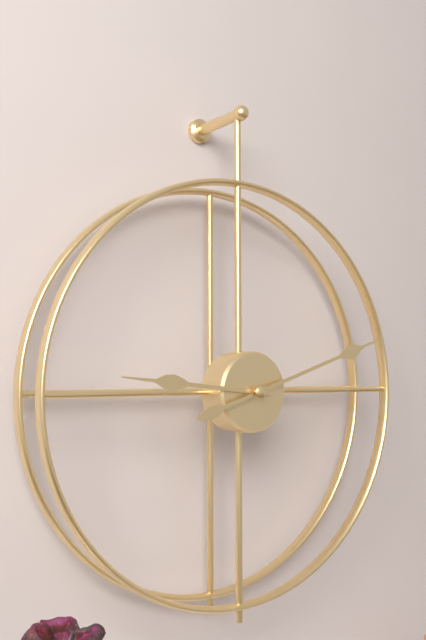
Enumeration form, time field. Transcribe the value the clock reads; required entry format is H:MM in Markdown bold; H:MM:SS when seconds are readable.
**9:12**
